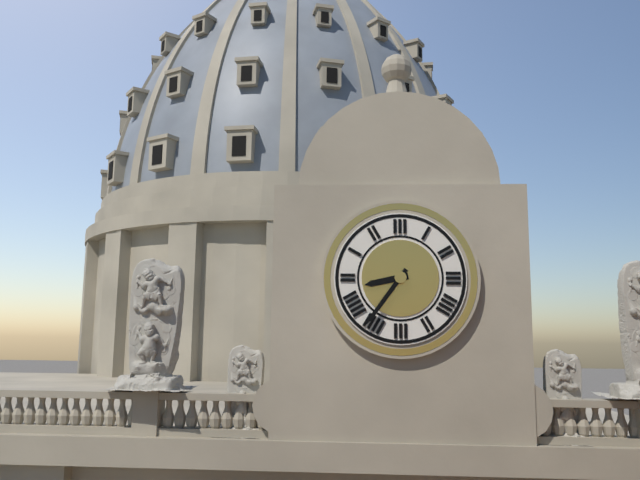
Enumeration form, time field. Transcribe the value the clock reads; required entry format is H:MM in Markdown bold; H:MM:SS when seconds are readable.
**8:36**
